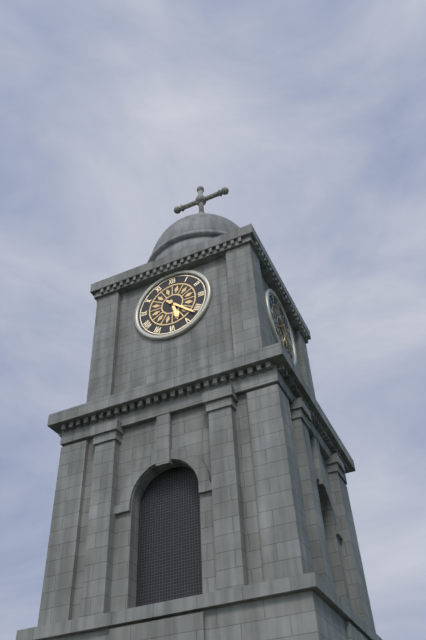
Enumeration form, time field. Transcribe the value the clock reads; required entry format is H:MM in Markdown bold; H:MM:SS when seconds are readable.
**5:22**
